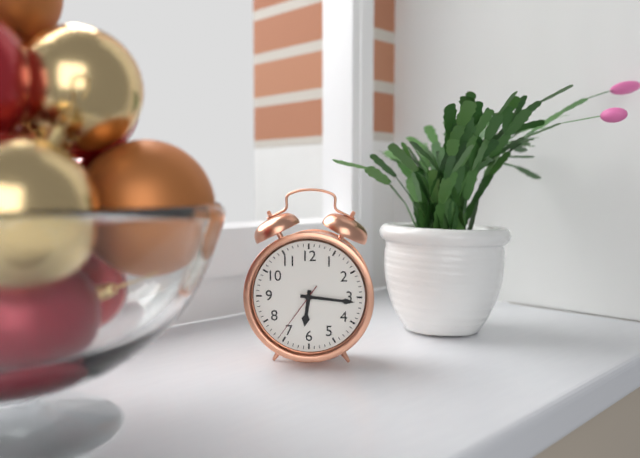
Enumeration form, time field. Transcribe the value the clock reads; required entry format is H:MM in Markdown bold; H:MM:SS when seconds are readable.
**6:16:36**
